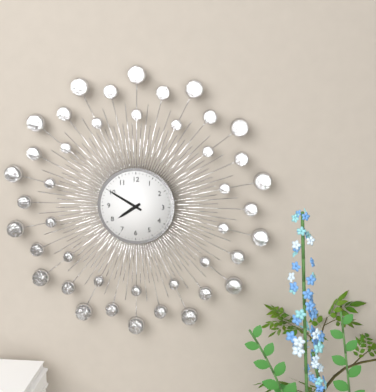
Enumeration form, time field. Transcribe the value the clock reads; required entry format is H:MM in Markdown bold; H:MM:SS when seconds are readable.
**7:50**
